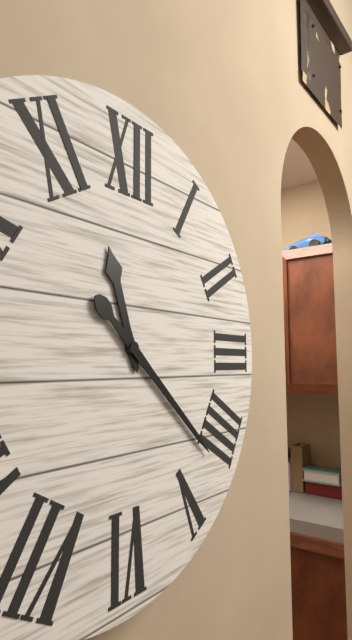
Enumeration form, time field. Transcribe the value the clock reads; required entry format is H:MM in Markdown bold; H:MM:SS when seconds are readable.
**11:22**
